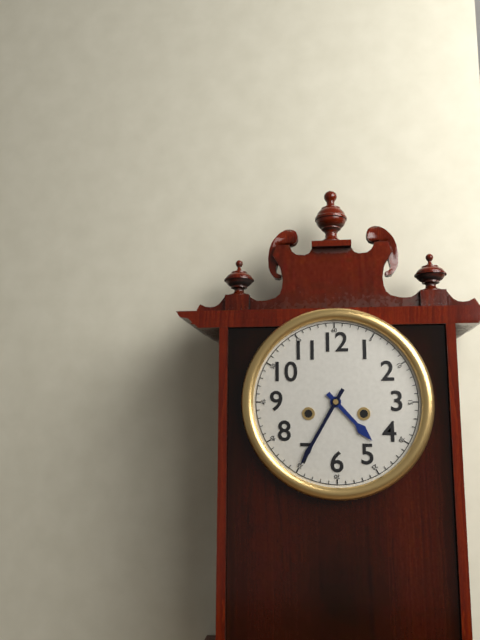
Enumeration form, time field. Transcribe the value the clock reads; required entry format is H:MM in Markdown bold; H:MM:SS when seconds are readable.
**4:35**
